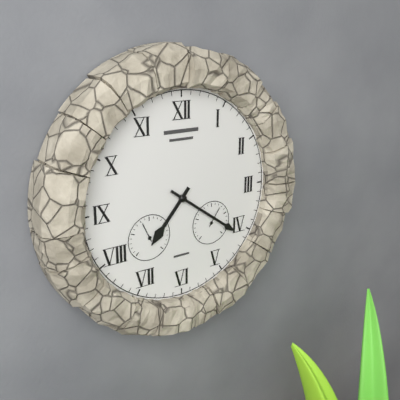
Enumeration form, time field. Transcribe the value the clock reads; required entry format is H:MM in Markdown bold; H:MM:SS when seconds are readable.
**7:21**
